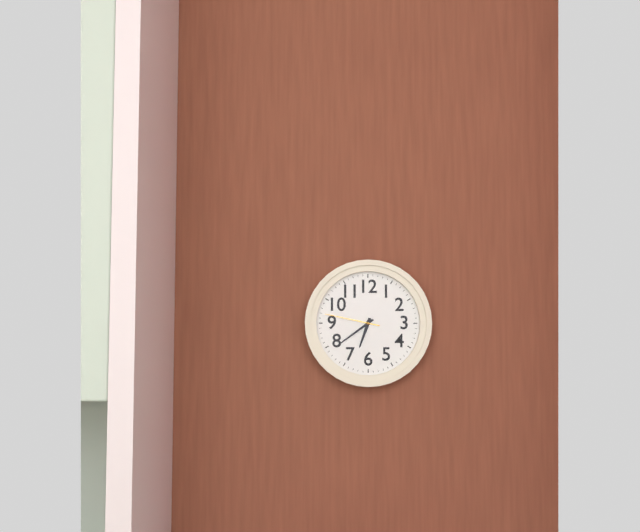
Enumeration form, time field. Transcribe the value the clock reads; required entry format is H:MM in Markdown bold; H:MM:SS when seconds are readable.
**6:39:47**
